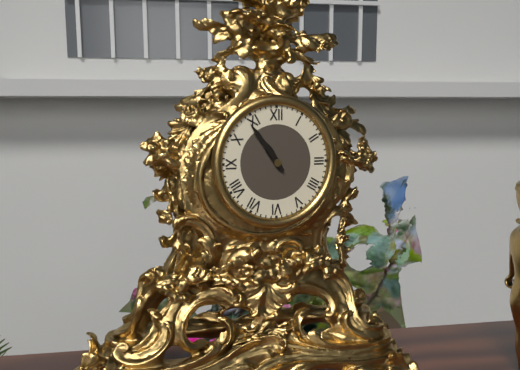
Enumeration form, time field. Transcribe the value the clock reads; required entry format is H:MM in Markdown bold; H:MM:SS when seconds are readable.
**10:54**
